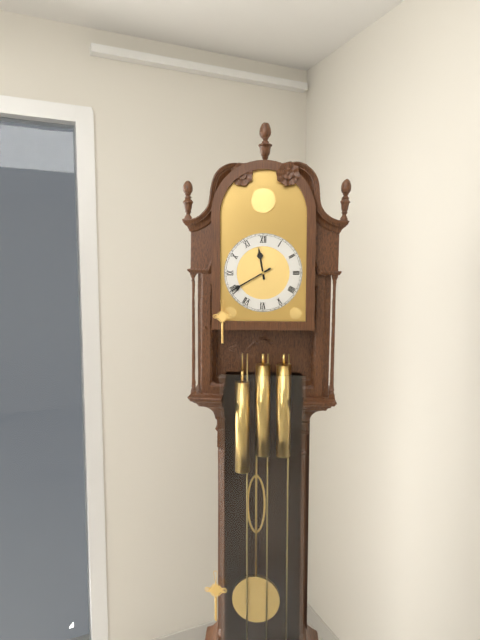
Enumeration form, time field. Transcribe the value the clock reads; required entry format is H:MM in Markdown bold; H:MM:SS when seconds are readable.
**11:40**
